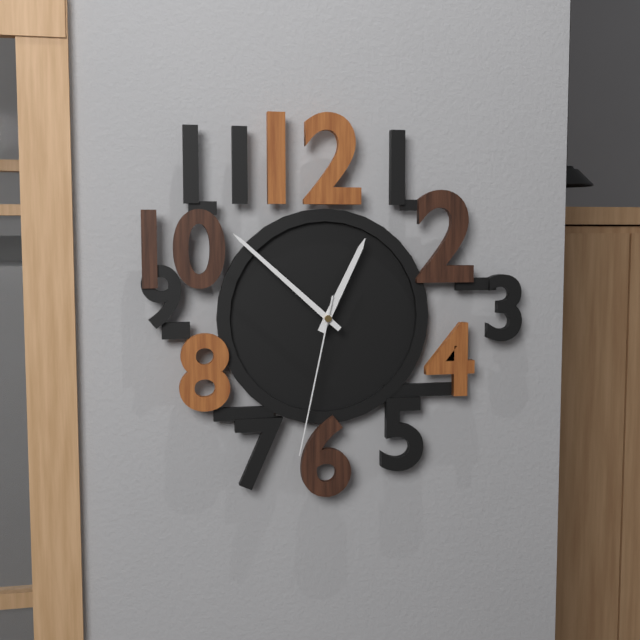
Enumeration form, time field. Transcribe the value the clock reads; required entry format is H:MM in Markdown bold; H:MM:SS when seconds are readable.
**12:52:32**
